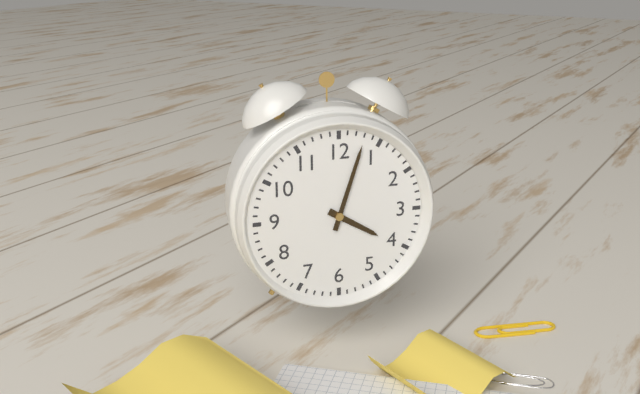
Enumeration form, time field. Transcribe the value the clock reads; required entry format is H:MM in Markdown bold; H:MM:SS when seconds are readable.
**4:03**
